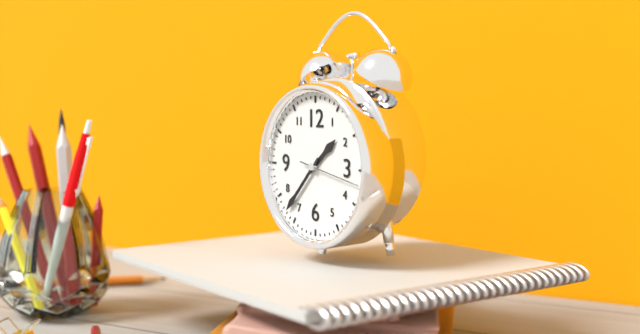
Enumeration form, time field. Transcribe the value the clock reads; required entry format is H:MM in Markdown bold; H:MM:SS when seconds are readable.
**1:37:17**
